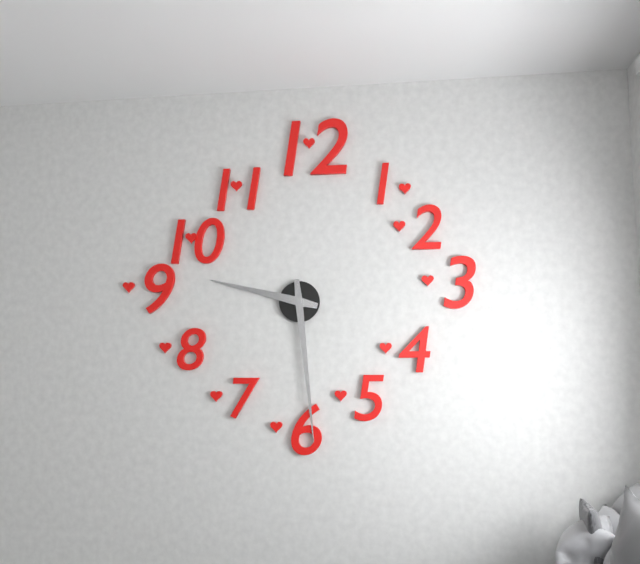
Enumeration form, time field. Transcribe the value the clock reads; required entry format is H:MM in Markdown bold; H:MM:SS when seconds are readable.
**9:29**
